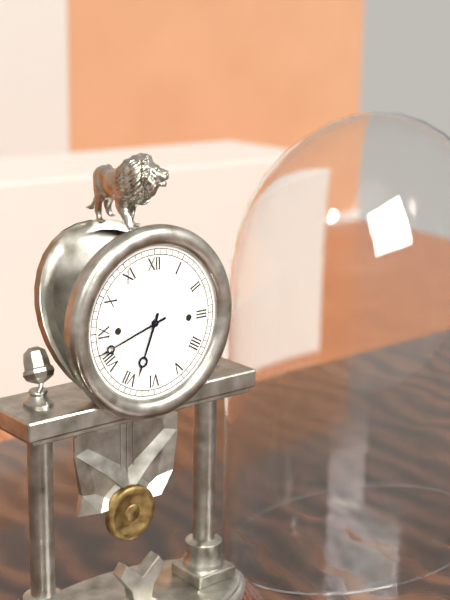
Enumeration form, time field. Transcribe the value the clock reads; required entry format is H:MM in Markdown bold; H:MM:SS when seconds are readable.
**6:42**
